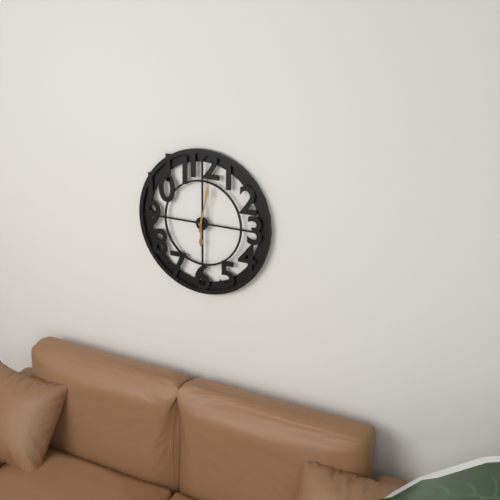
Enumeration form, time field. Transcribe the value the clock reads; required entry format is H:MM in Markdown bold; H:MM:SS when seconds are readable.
**6:02**
